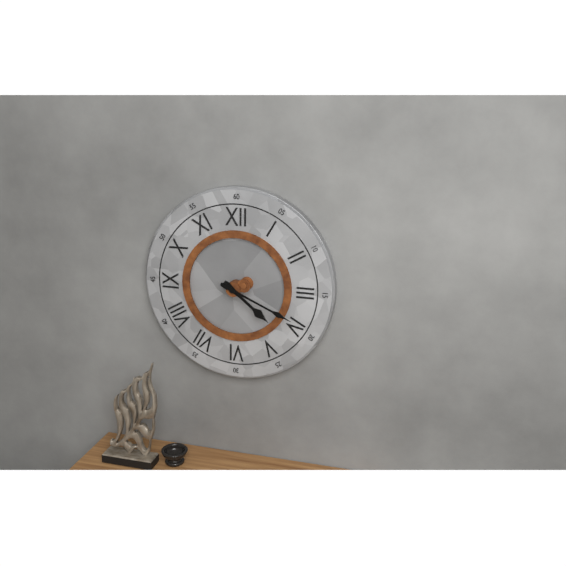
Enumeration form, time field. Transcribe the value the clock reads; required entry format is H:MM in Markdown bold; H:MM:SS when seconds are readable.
**4:19**
